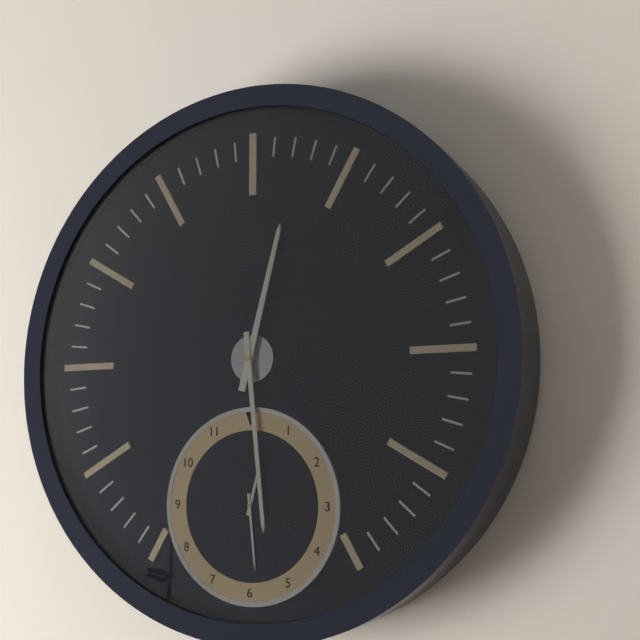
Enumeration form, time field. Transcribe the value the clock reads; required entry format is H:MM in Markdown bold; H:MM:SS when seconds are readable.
**12:29**
